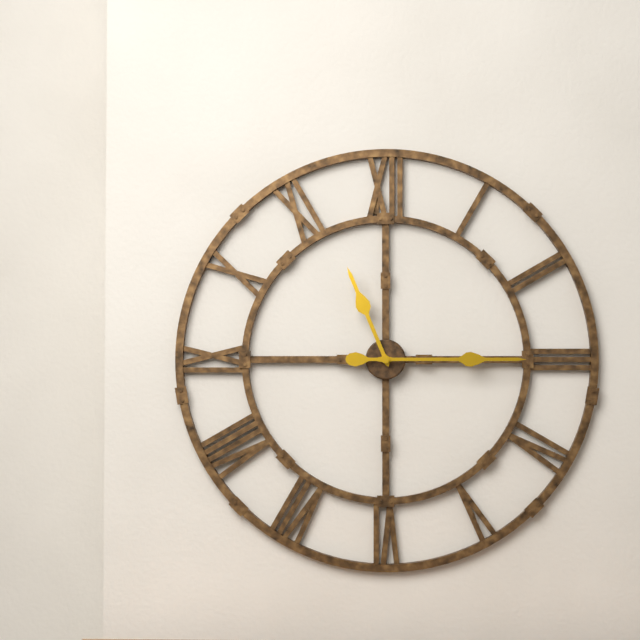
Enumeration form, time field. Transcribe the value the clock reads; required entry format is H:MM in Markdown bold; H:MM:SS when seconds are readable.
**11:15**
